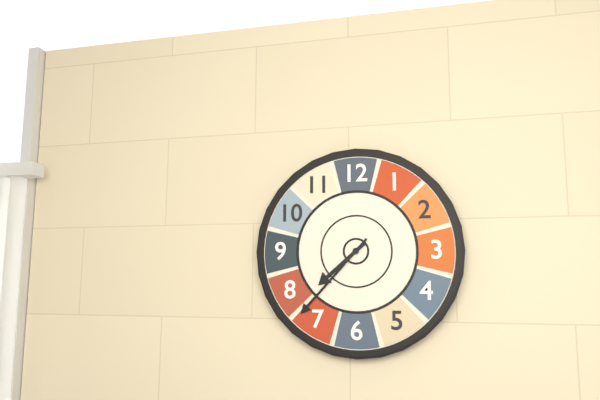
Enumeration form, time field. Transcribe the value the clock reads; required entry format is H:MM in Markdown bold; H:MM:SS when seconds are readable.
**7:37**
